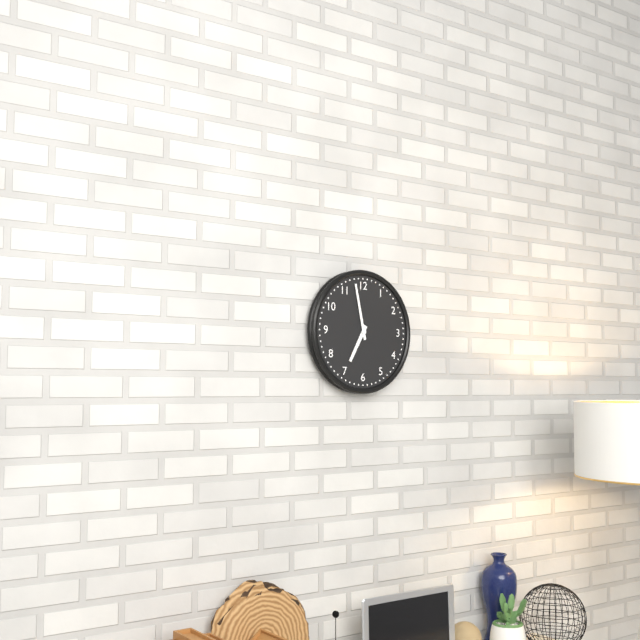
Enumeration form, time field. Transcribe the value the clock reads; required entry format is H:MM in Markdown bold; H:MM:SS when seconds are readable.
**6:58**
